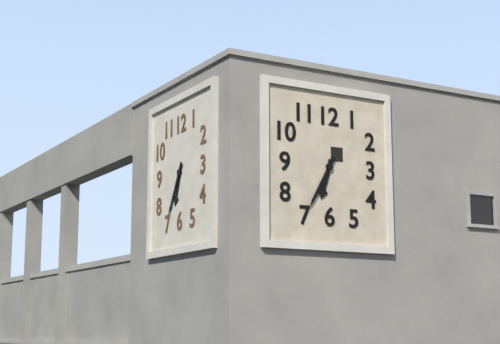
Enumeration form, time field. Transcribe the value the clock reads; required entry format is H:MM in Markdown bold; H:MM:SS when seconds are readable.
**6:35**
